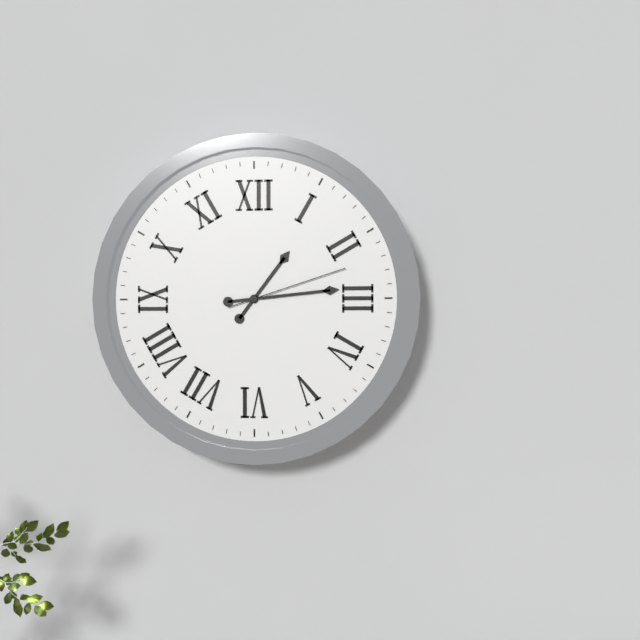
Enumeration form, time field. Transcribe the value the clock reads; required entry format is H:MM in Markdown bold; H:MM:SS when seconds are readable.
**1:14:12**
